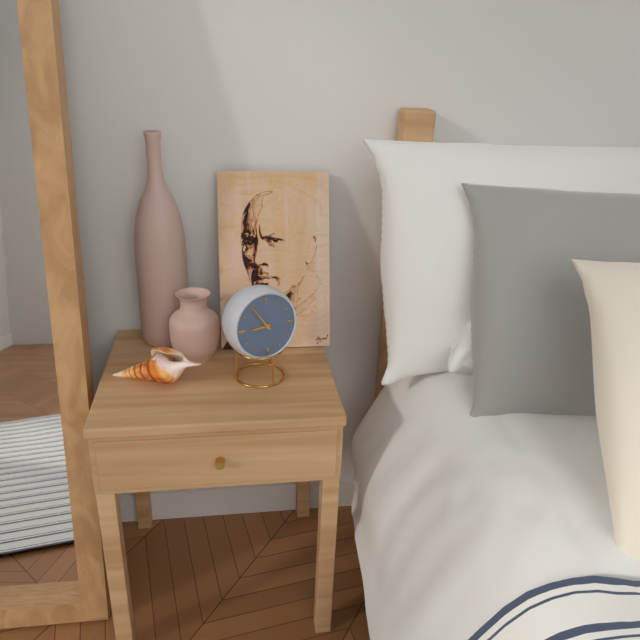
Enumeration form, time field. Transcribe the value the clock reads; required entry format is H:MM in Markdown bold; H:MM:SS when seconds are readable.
**8:54**
